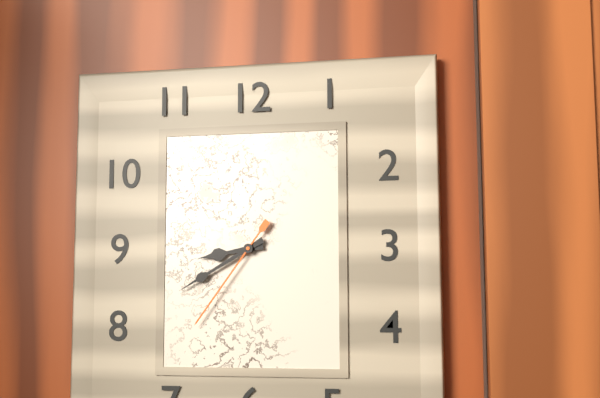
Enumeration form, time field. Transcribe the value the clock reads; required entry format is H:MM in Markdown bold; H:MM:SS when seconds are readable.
**8:40:36**
